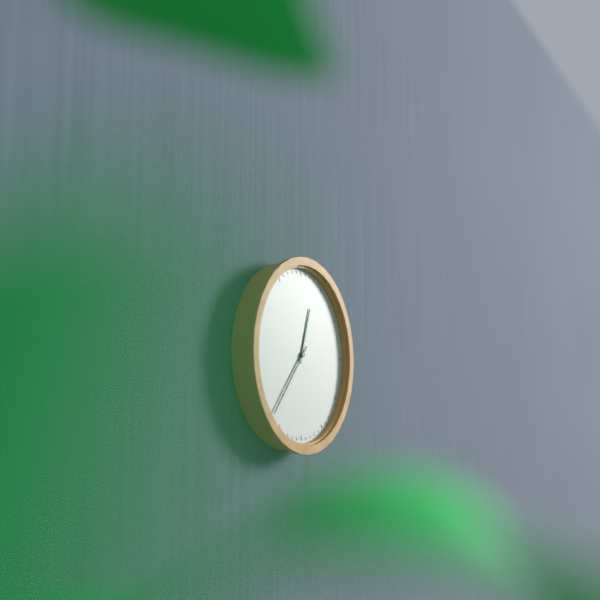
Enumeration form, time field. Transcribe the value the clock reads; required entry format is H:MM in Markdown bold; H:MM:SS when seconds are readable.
**12:37**
